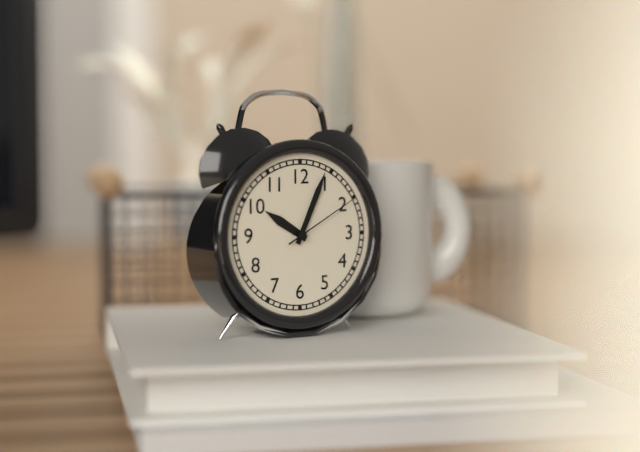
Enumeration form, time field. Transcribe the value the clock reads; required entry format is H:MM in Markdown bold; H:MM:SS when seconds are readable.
**10:04:10**
